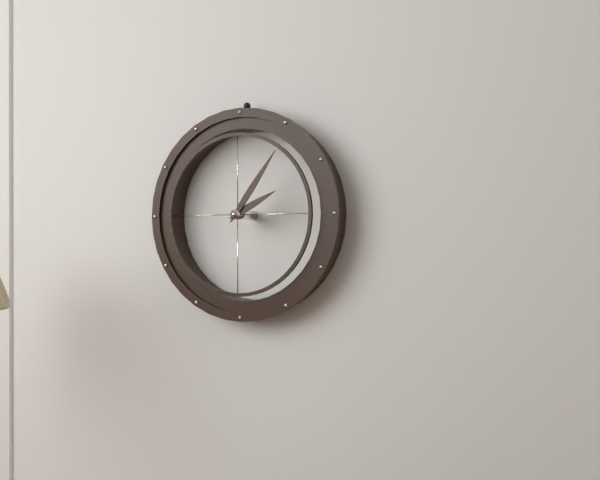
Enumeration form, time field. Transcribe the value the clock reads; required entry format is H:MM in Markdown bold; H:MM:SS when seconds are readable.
**2:06**
